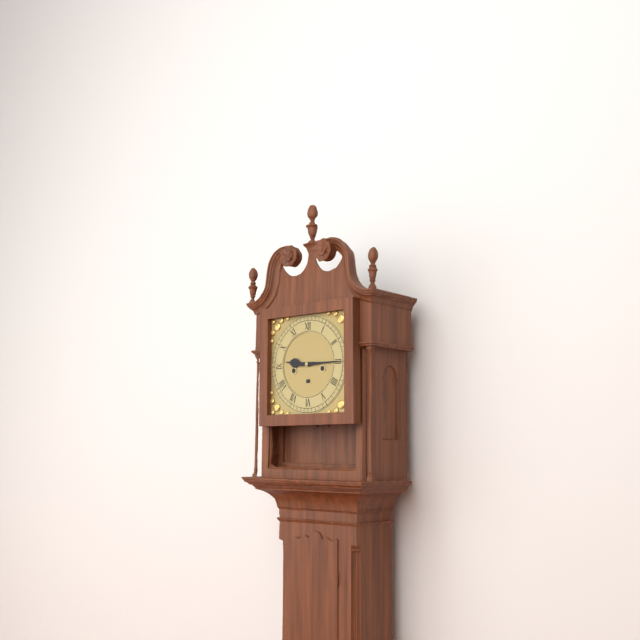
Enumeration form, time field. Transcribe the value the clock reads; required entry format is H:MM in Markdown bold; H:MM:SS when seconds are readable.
**9:15**
